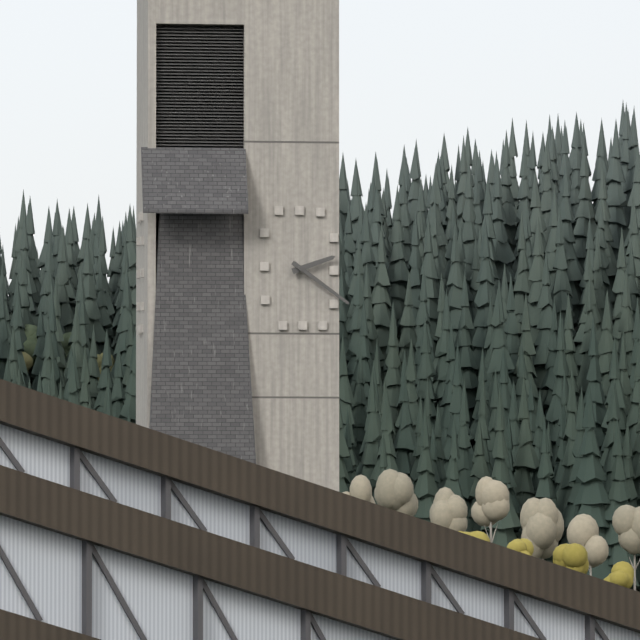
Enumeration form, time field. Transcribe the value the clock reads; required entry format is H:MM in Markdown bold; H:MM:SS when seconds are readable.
**2:21**
